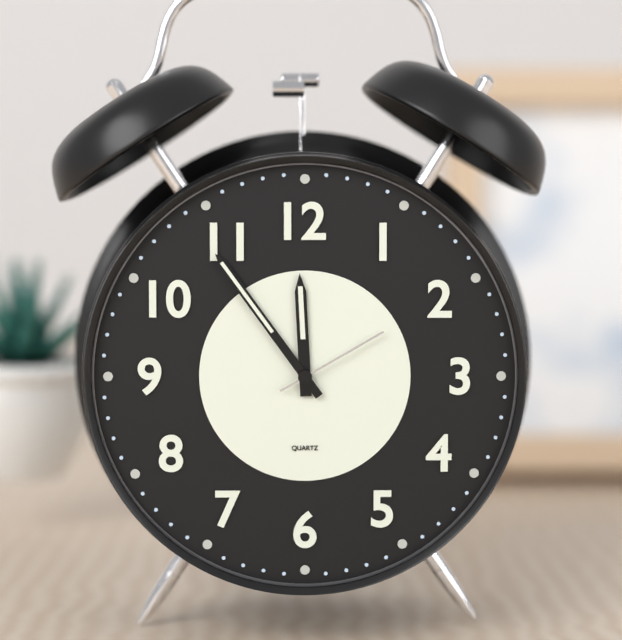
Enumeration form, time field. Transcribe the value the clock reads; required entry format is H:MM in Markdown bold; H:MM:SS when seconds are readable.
**11:54:10**
